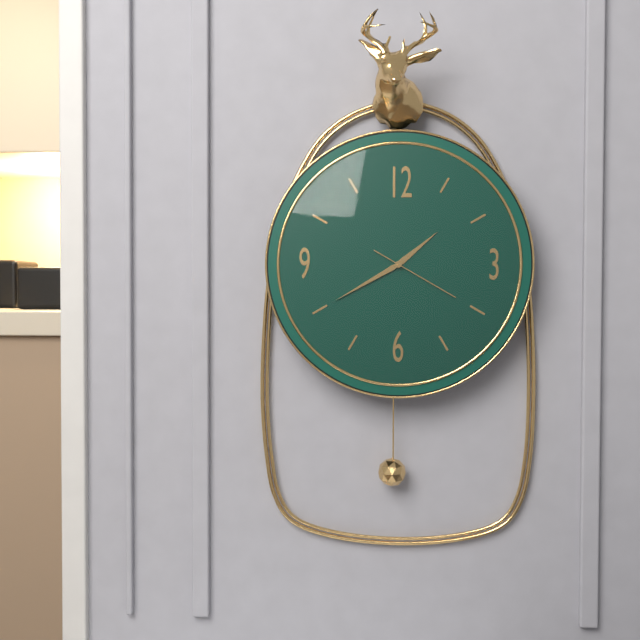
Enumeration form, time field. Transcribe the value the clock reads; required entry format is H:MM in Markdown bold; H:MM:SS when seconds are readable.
**1:40:20**
